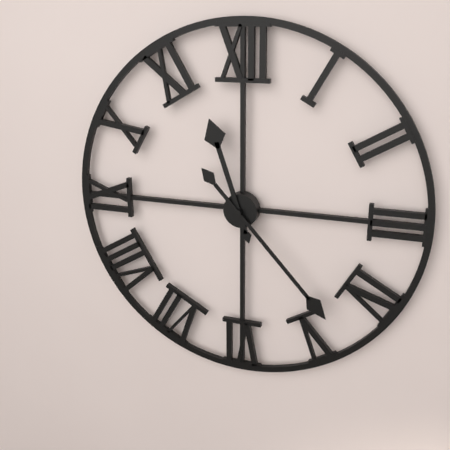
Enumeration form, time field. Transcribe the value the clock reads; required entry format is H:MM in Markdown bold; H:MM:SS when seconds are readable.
**11:23**
